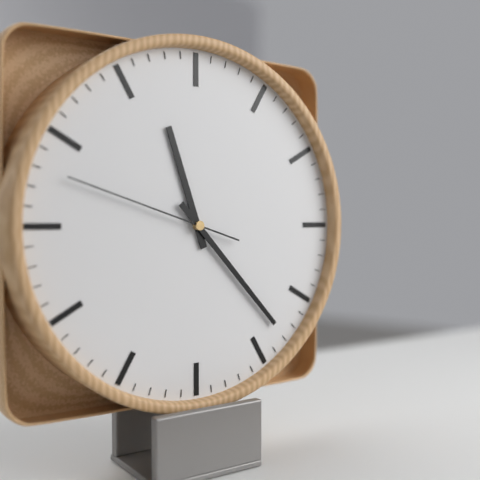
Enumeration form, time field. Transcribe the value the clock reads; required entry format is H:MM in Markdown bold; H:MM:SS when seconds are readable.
**11:23:48**
